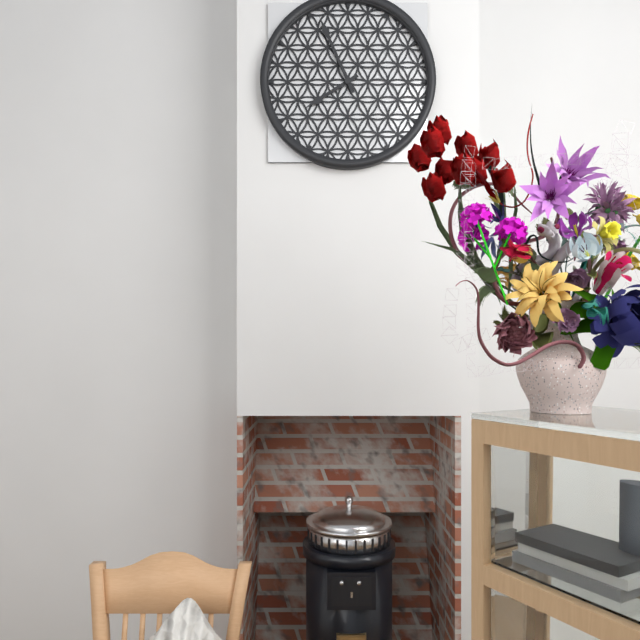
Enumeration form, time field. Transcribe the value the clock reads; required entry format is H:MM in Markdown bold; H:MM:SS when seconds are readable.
**7:56**
